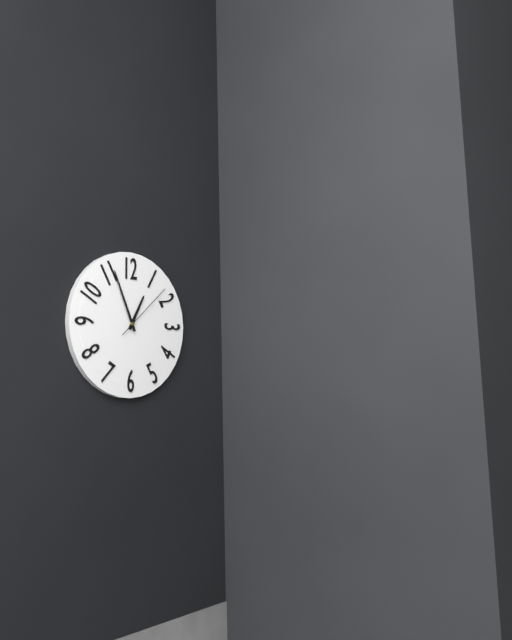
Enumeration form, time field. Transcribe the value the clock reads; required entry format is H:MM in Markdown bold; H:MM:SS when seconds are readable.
**12:56:08**
